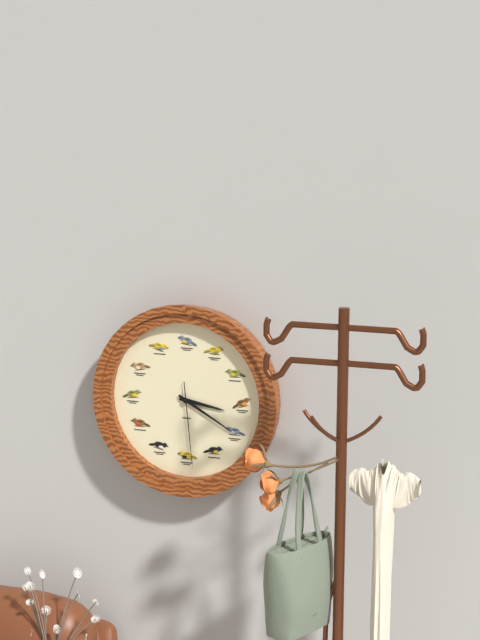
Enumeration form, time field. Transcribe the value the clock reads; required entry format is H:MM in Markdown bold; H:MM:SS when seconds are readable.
**3:20:29**
